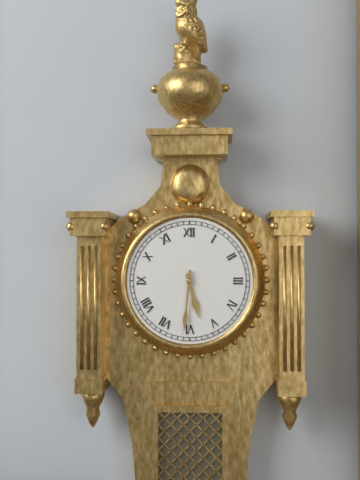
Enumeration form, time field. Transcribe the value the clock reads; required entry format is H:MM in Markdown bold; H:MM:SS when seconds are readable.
**5:31**
